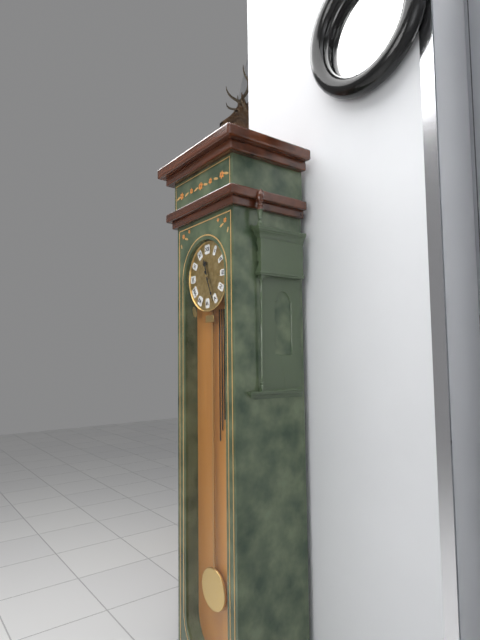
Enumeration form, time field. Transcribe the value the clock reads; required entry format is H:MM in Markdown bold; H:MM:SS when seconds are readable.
**11:26**
